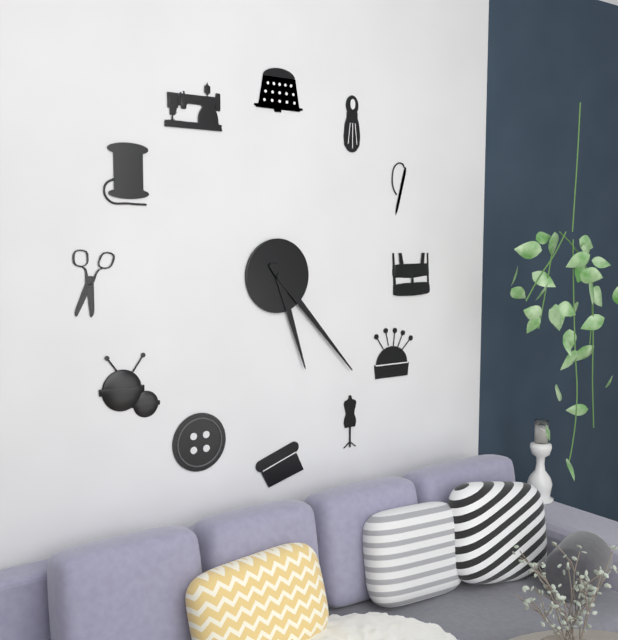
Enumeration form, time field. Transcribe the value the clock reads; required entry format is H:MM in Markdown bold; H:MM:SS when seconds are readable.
**5:23**
